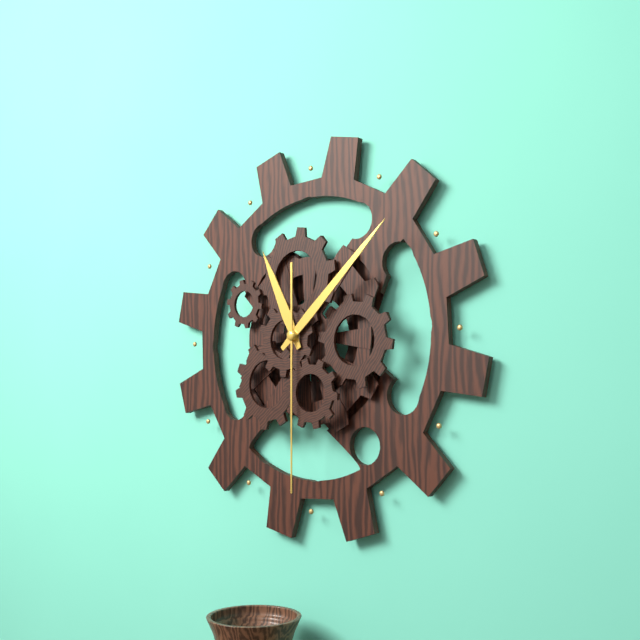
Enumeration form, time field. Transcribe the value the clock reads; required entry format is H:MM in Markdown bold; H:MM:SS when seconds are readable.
**11:08:30**
